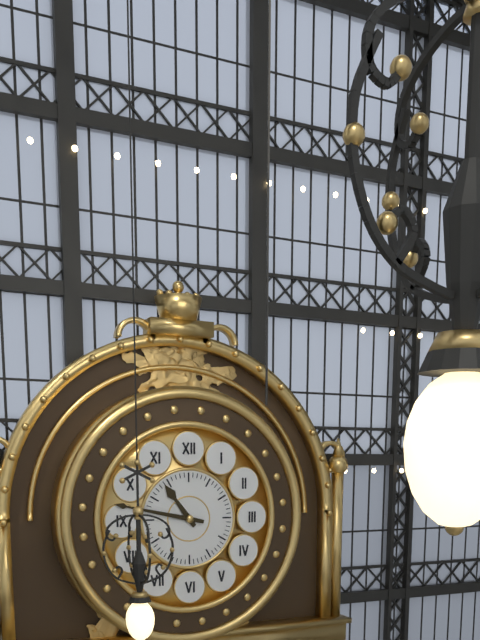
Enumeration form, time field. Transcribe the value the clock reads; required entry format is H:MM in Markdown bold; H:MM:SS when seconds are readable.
**10:47**
